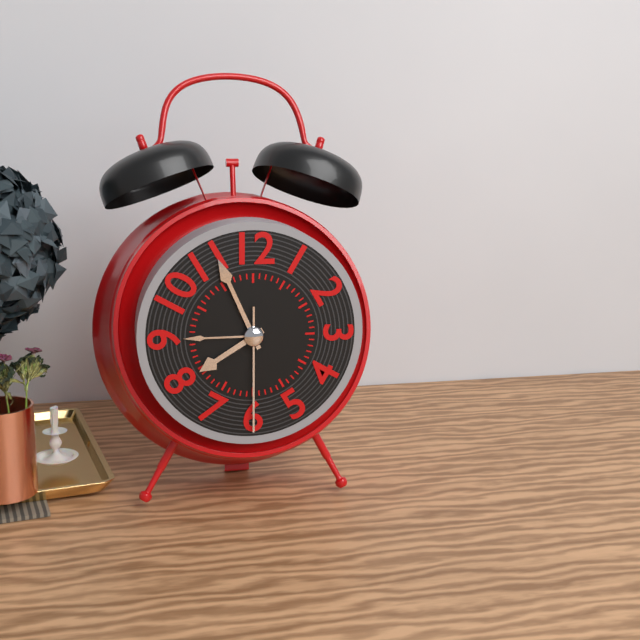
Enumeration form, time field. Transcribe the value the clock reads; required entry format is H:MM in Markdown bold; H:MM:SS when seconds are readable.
**7:56:30**
